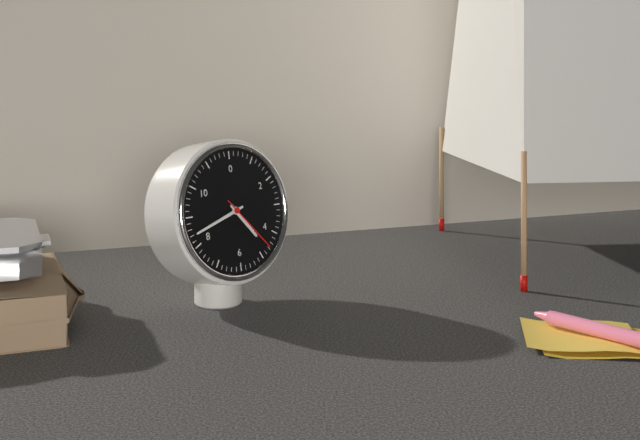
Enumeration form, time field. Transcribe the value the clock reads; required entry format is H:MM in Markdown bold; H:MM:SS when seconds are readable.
**4:42:23**
